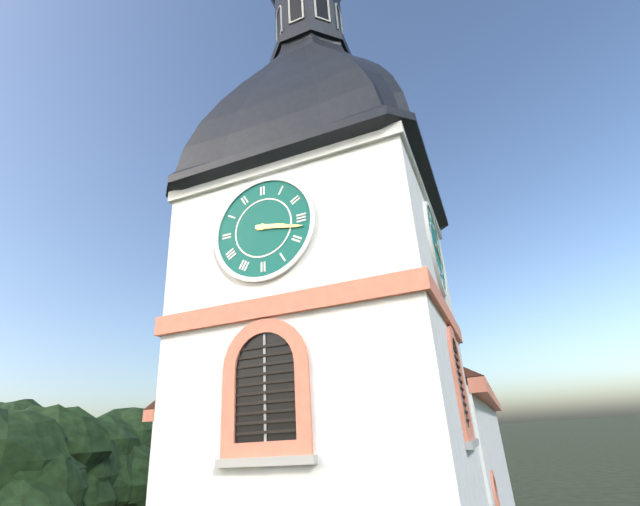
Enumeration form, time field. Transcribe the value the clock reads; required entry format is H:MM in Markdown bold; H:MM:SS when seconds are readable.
**3:17**
